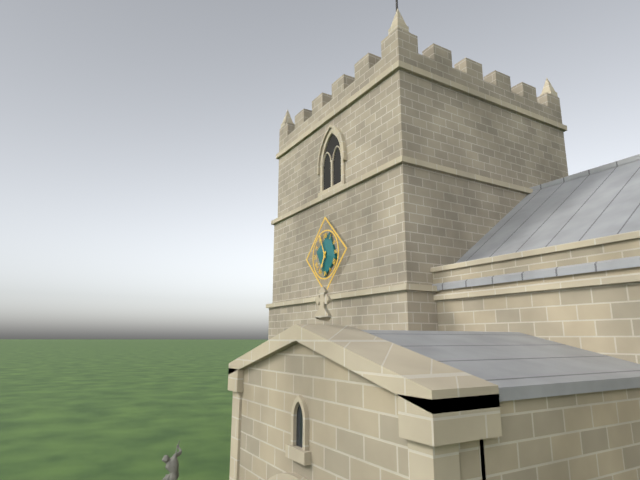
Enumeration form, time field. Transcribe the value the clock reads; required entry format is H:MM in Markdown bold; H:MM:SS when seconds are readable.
**6:56**
